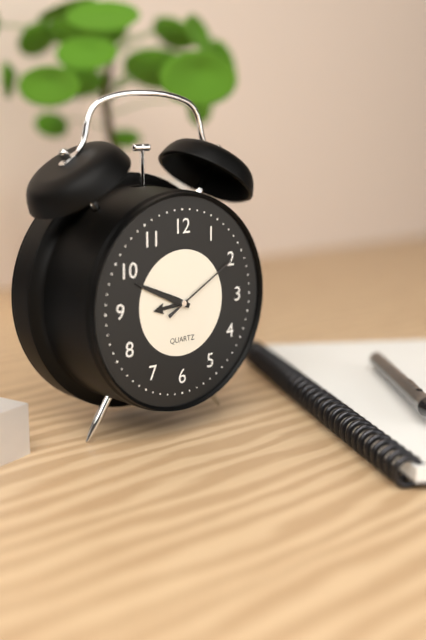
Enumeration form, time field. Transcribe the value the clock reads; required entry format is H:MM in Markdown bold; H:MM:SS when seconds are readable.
**8:49:10**
